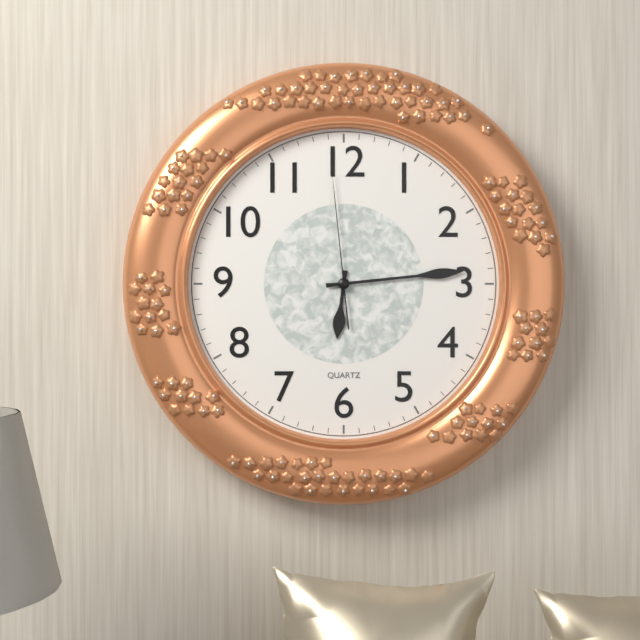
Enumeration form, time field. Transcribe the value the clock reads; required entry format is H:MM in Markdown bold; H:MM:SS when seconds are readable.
**6:14:59**
